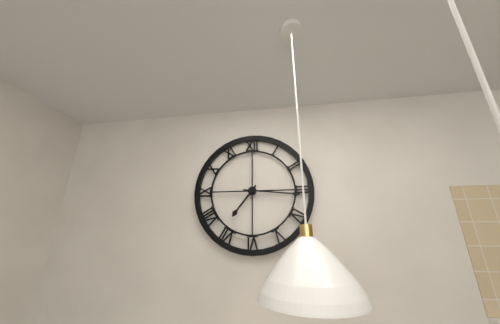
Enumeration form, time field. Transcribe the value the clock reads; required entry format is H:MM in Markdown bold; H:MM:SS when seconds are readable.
**7:16**
